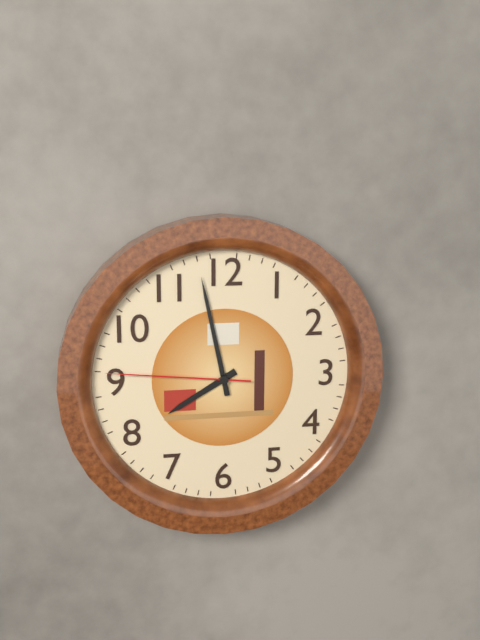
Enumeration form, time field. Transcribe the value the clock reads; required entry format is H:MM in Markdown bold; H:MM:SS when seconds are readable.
**7:58:46**
